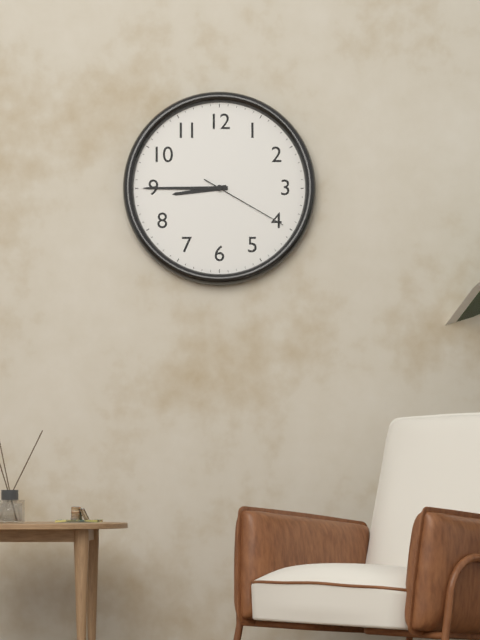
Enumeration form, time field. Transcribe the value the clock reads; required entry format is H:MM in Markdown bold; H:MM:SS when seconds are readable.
**8:45:20**
